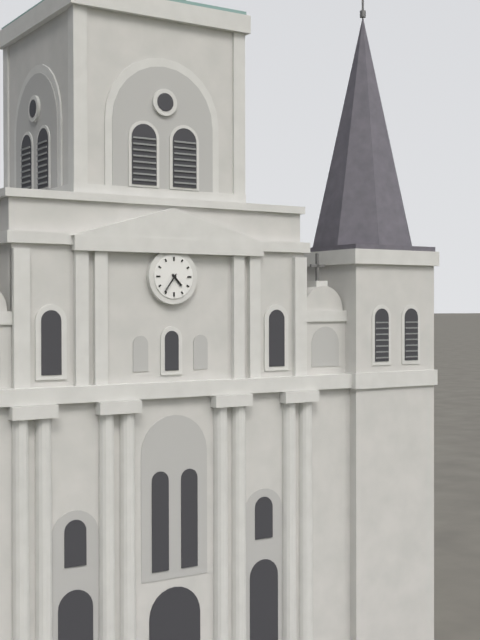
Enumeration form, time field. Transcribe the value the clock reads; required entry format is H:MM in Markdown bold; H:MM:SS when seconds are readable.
**4:36**
